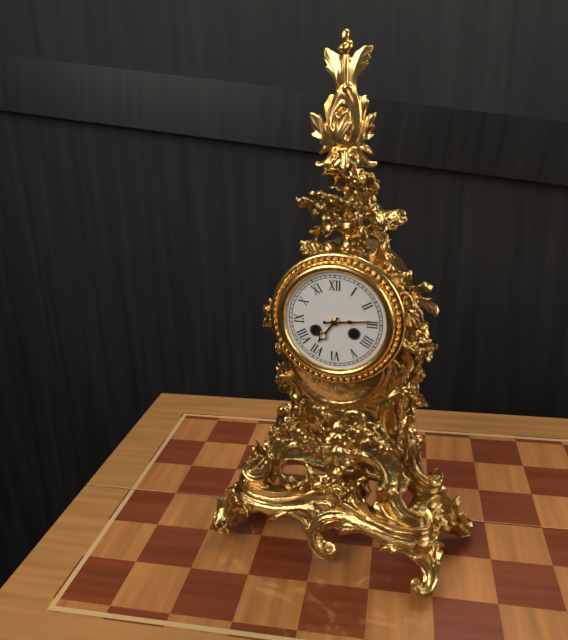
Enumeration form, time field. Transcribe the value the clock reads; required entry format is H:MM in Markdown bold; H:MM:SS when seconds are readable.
**7:14**
